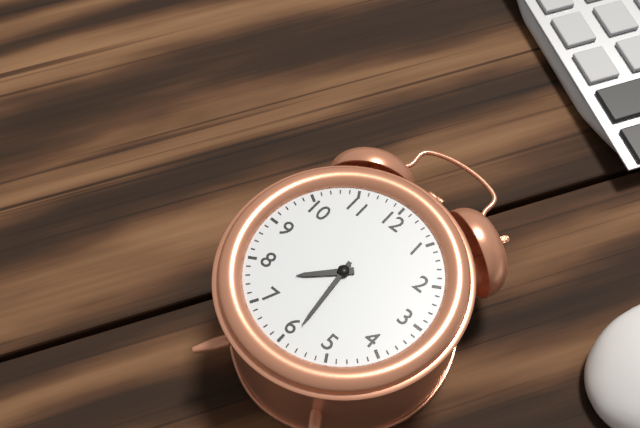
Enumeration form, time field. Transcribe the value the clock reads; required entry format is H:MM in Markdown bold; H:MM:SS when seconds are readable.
**7:29**
